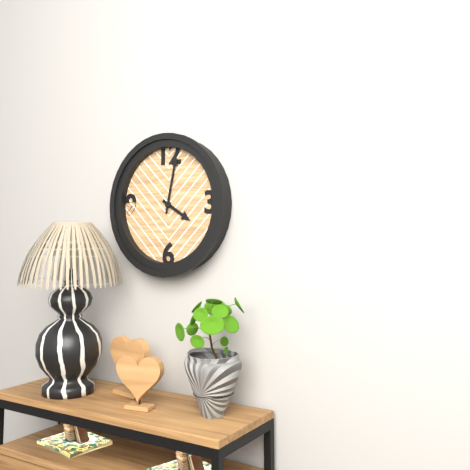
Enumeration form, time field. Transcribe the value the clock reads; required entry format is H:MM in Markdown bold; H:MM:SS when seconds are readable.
**4:02**
